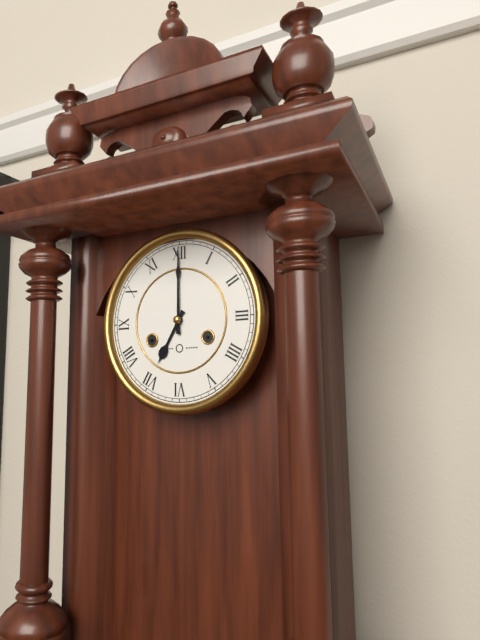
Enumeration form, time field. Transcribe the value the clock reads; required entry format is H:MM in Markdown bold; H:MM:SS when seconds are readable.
**7:00**
